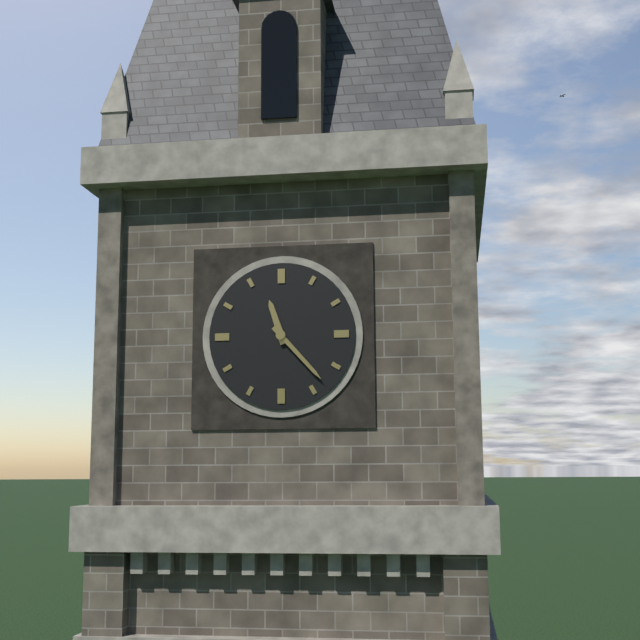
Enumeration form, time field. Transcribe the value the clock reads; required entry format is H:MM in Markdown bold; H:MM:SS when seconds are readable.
**11:23**
